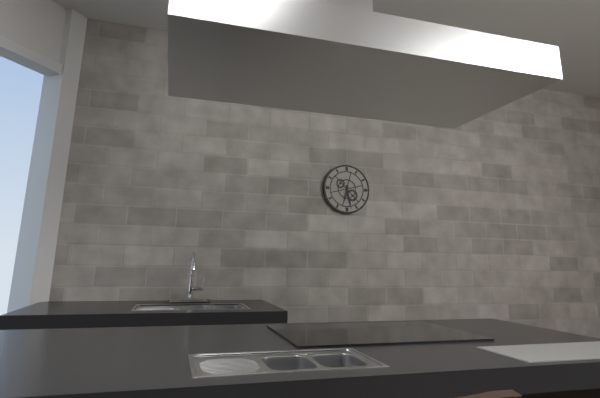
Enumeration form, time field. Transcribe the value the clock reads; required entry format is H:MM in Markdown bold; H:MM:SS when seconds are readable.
**6:28**
